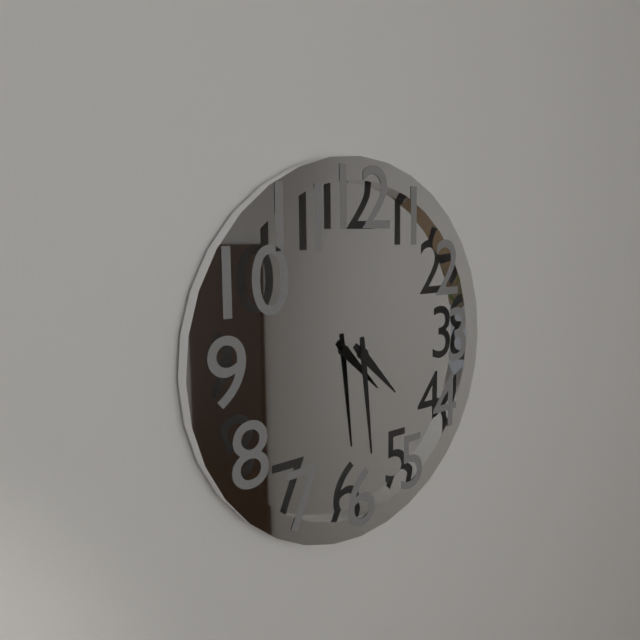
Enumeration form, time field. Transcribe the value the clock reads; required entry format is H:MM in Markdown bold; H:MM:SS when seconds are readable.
**4:29**
